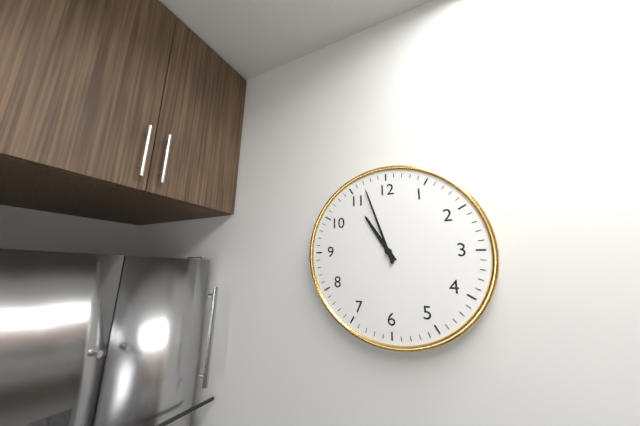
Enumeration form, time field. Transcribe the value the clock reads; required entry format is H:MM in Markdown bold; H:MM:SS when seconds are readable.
**10:57**
